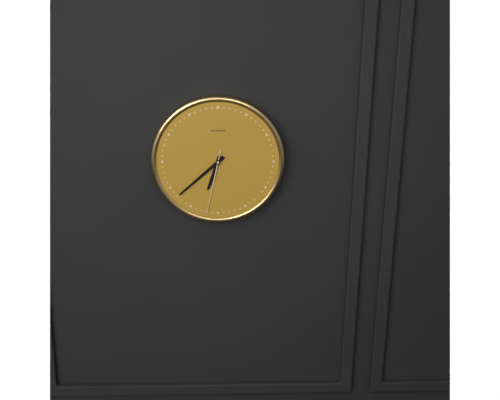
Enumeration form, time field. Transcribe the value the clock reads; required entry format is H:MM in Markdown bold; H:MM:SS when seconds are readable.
**6:38:32**
